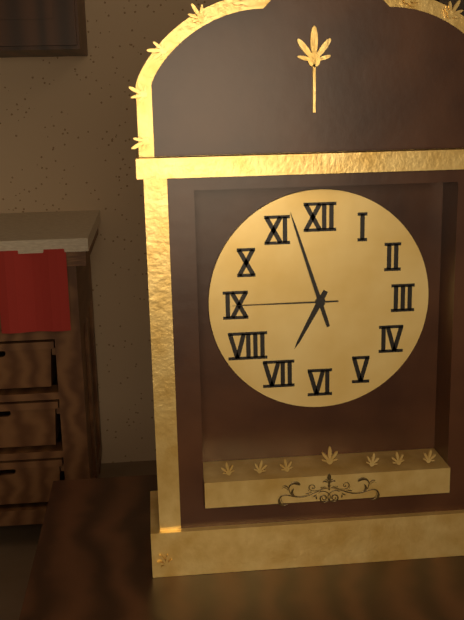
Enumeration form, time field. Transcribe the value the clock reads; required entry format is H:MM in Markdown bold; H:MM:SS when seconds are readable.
**6:57:45**
